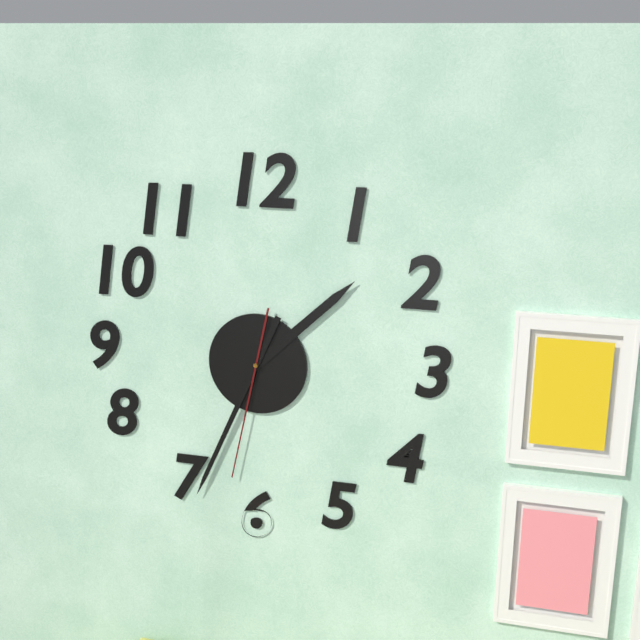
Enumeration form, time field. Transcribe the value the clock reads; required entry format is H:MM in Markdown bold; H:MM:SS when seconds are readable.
**1:34:32**
